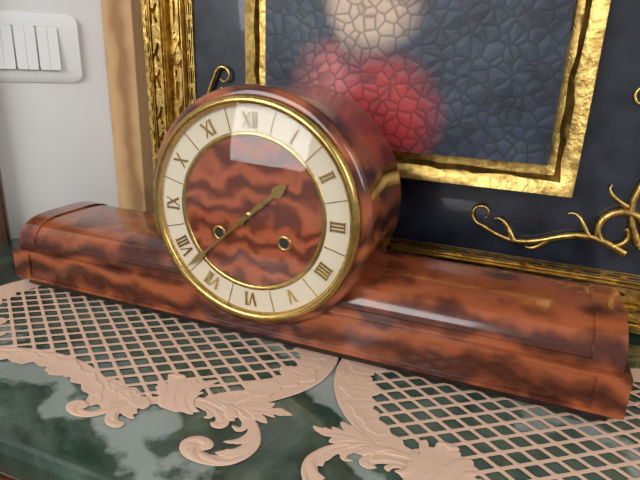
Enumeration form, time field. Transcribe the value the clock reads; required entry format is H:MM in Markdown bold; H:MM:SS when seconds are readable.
**1:38**
